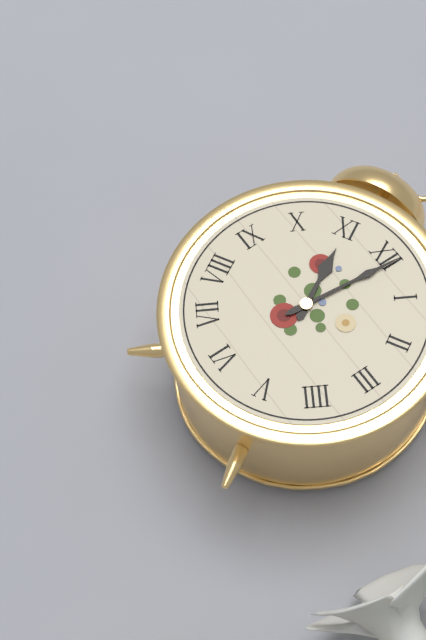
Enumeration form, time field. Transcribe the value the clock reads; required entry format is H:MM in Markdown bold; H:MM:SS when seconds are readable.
**11:01**
